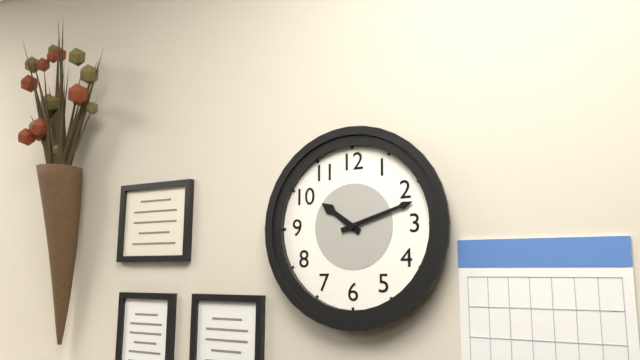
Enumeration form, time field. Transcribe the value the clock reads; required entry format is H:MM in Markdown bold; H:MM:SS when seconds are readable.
**10:12**
